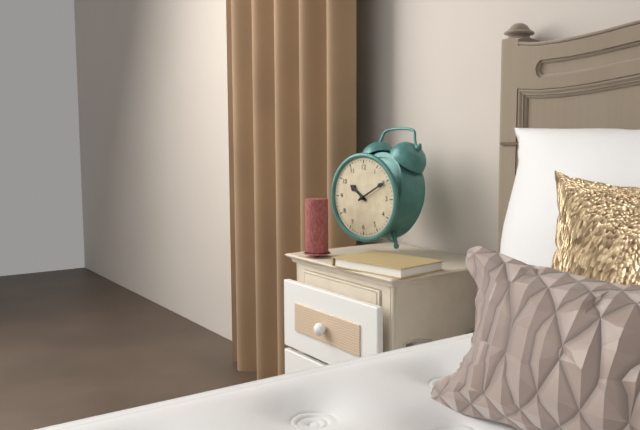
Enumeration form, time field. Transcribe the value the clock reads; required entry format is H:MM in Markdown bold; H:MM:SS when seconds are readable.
**10:10**
